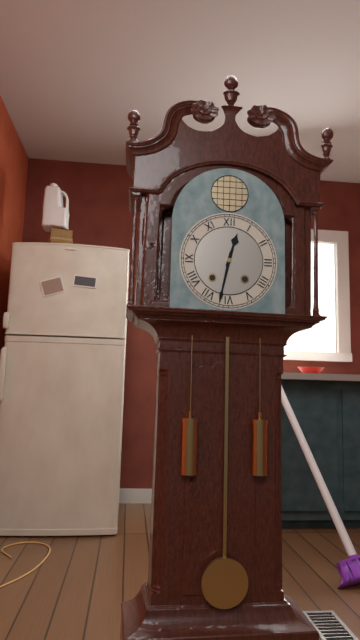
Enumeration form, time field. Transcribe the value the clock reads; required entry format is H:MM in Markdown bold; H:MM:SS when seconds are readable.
**12:32**
